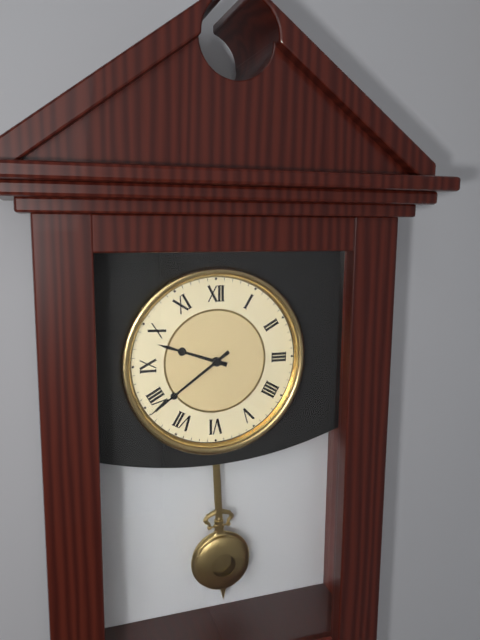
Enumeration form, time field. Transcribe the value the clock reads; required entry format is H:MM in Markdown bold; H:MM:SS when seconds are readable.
**9:39**
